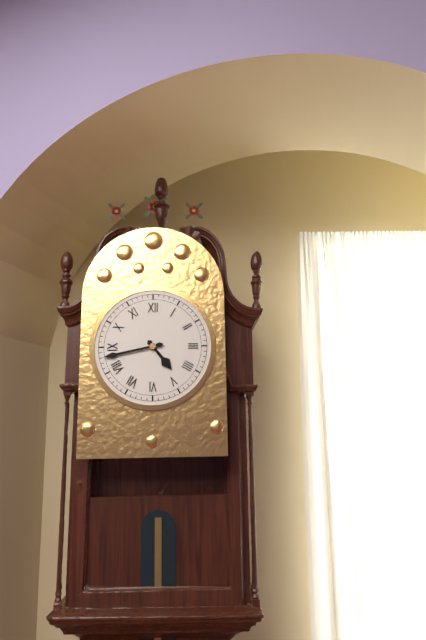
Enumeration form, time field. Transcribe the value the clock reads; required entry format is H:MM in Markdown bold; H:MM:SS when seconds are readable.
**4:43**
